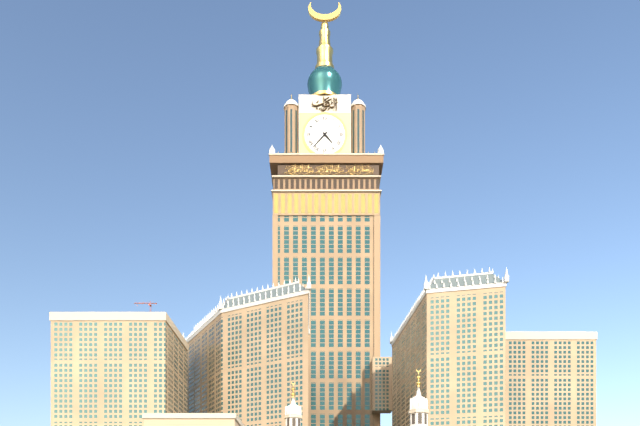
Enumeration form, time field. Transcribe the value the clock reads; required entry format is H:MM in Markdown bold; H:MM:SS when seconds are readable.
**4:37**
